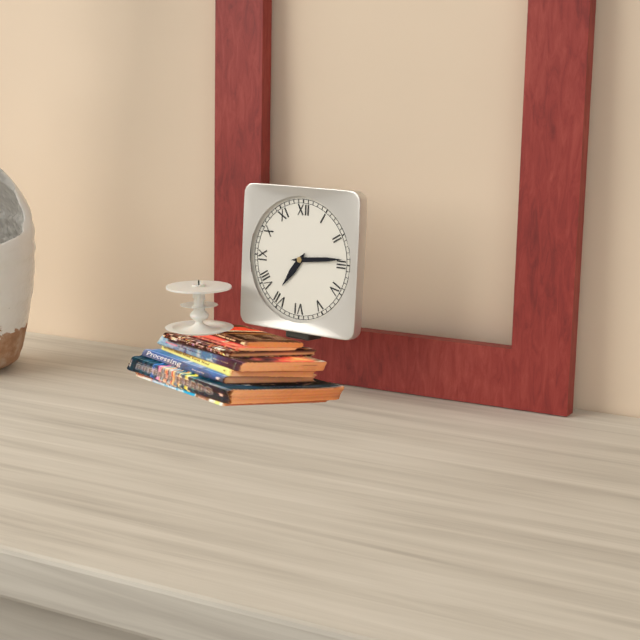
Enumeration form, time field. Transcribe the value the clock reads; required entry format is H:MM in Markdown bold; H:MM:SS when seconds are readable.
**7:14**
